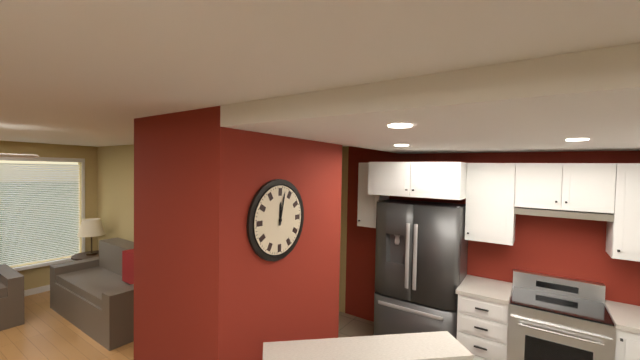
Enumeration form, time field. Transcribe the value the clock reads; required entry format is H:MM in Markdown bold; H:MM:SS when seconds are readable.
**12:02**
